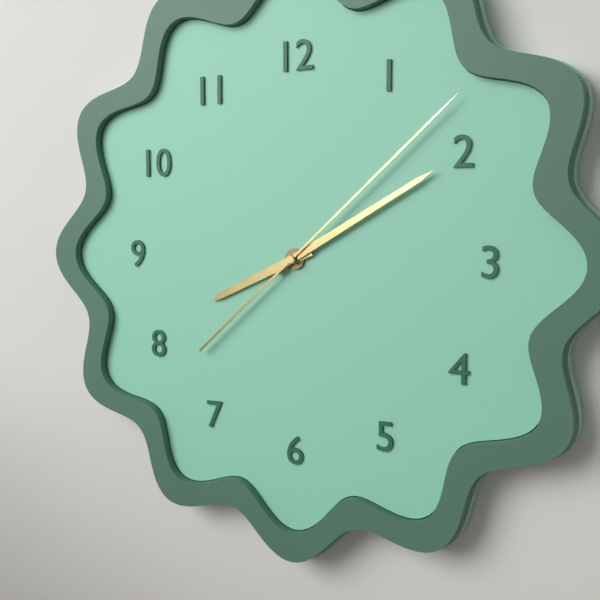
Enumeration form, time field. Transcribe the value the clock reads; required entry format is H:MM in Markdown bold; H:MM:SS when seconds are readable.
**8:10:08**
